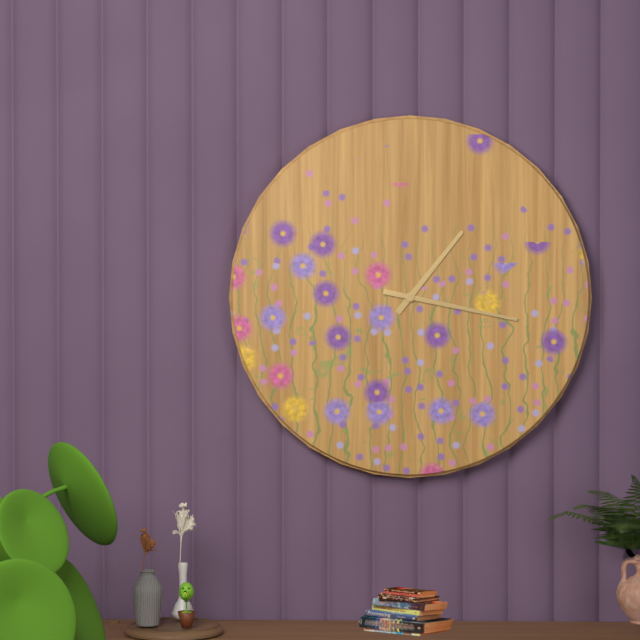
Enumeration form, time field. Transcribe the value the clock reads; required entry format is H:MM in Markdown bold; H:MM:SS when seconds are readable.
**1:17**
